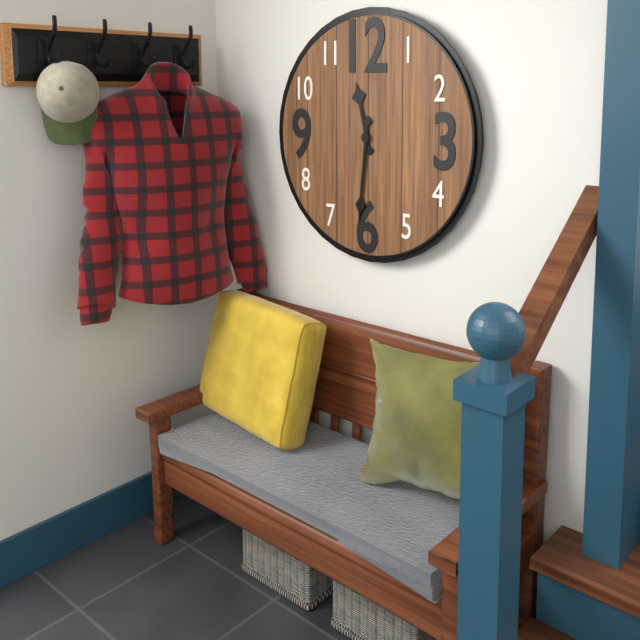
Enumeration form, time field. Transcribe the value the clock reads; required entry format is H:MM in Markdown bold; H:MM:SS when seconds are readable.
**11:31**
